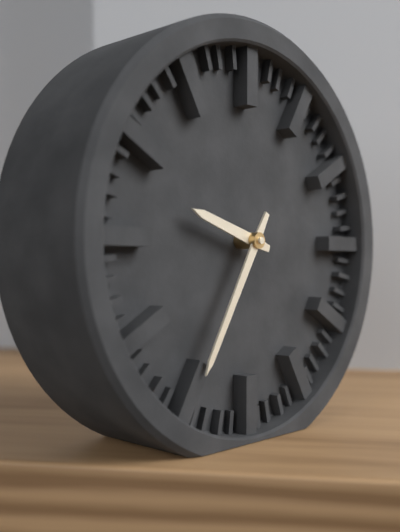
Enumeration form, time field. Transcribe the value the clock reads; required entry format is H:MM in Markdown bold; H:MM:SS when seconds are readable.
**9:35**
